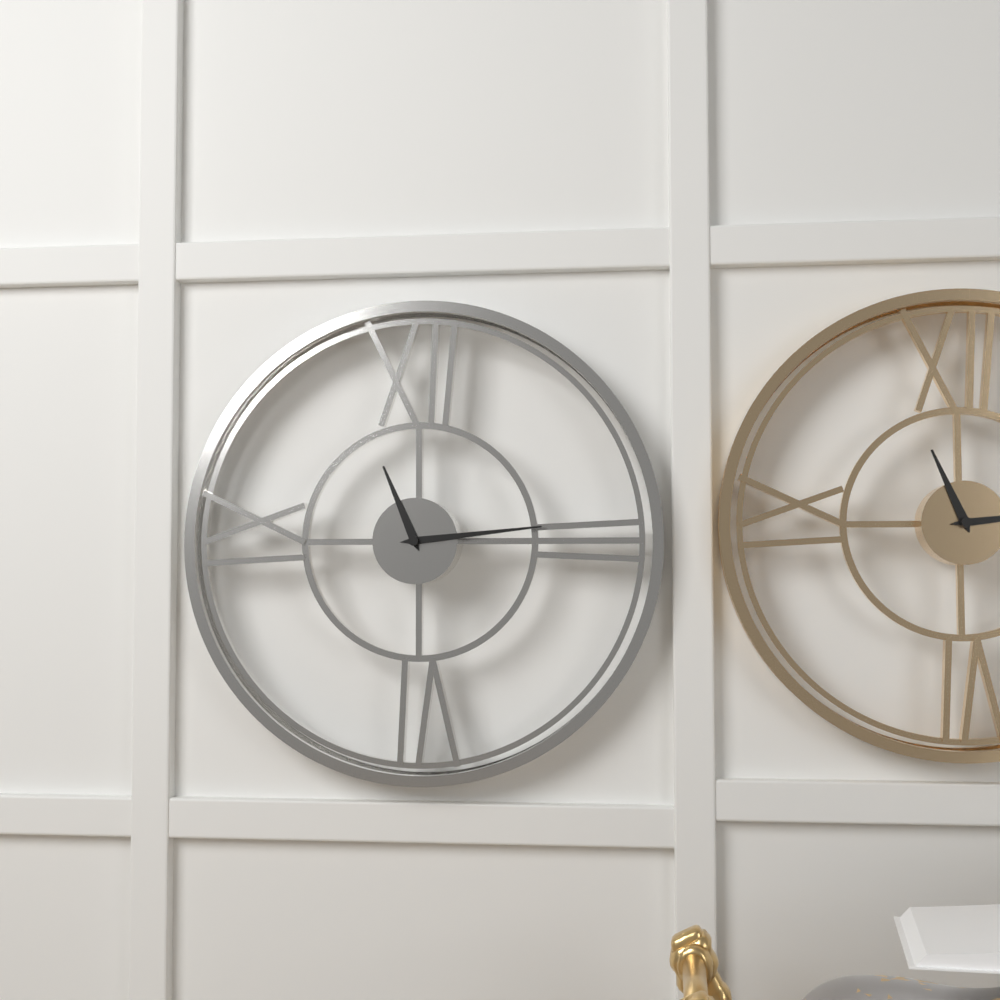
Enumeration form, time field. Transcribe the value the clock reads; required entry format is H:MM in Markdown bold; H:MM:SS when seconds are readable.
**11:14**
